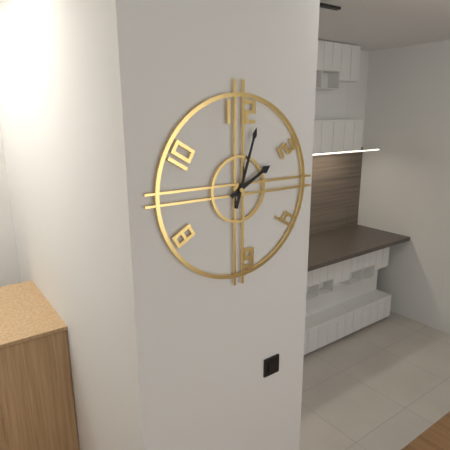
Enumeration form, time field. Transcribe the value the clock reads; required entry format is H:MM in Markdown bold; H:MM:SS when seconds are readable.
**2:03**
